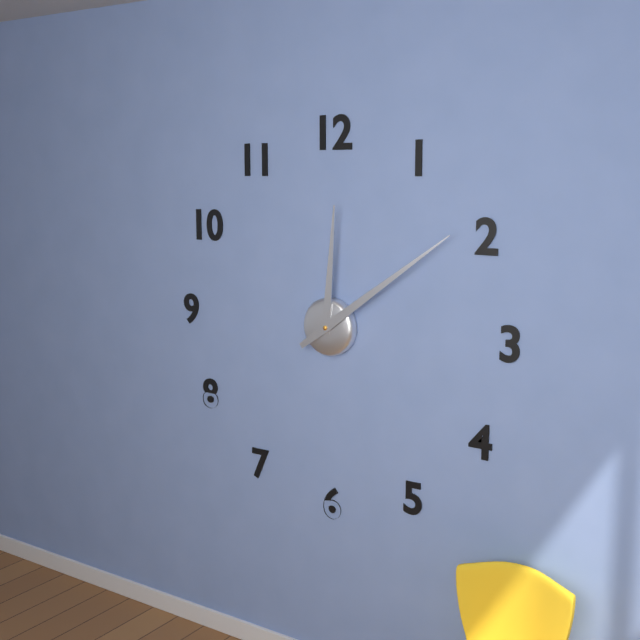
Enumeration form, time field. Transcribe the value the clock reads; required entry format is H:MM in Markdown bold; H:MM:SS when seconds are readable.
**12:09**
